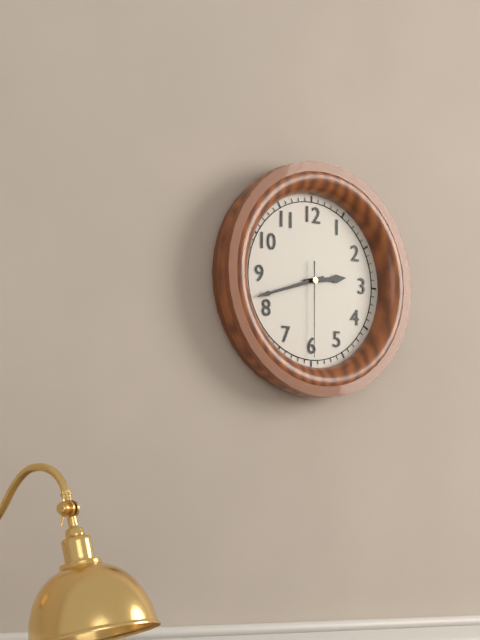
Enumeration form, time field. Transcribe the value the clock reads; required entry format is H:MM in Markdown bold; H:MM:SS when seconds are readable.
**2:42:30**
